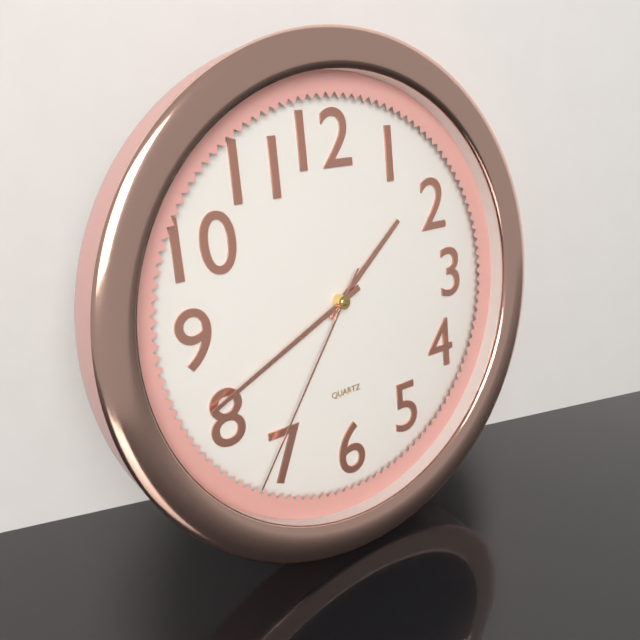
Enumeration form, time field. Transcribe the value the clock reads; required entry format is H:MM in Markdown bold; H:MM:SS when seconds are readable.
**1:41:36**
